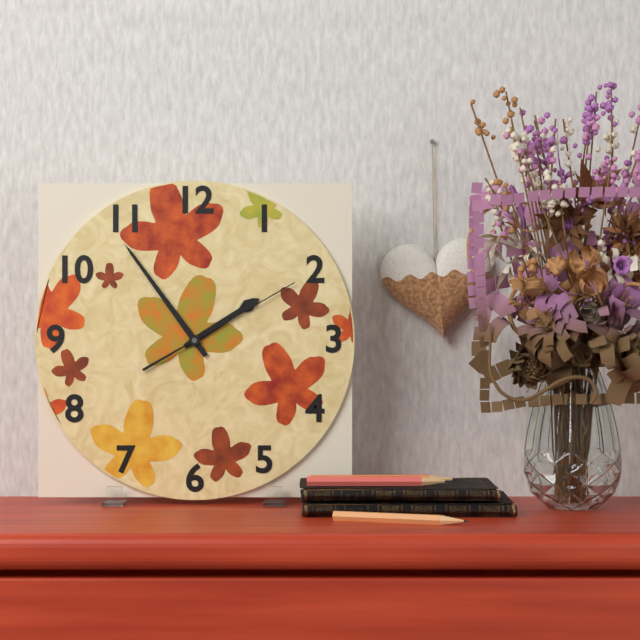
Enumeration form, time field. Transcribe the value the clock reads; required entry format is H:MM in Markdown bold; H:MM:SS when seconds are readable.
**1:54:10**
